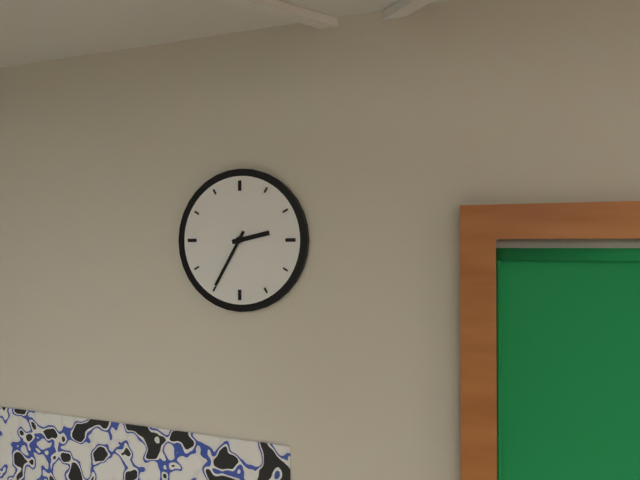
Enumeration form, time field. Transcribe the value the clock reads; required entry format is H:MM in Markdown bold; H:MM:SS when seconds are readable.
**2:35**
